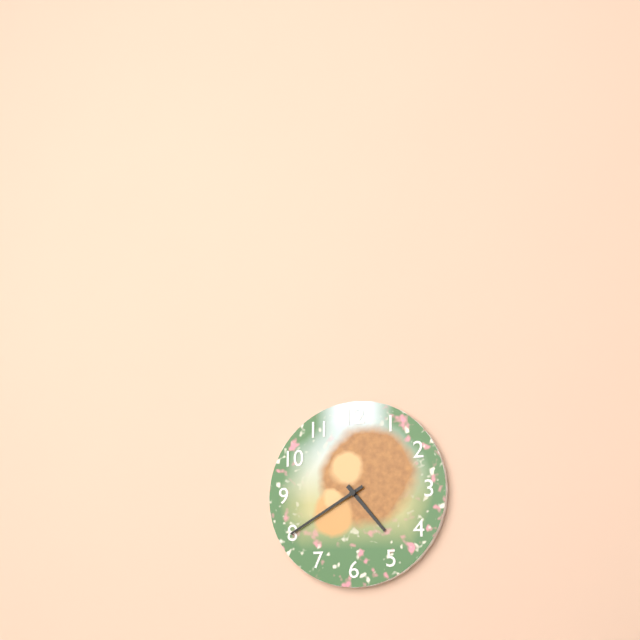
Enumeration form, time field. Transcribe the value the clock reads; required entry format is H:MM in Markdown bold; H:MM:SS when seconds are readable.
**4:40**
